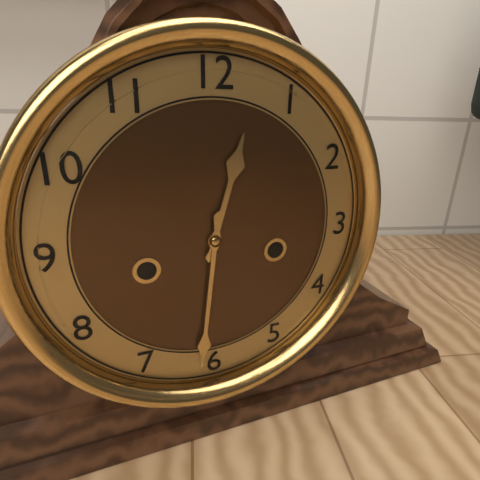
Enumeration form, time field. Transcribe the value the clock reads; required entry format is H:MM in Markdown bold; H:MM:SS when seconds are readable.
**12:31**
